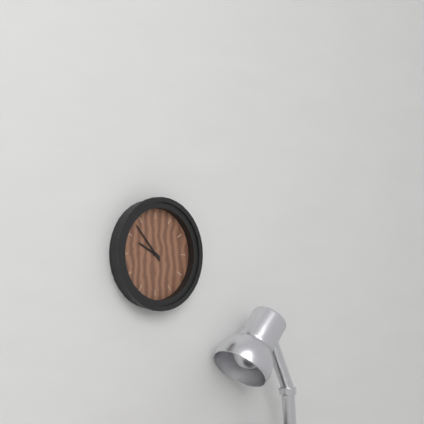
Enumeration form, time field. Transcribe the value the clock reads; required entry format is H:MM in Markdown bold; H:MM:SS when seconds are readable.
**9:53**
